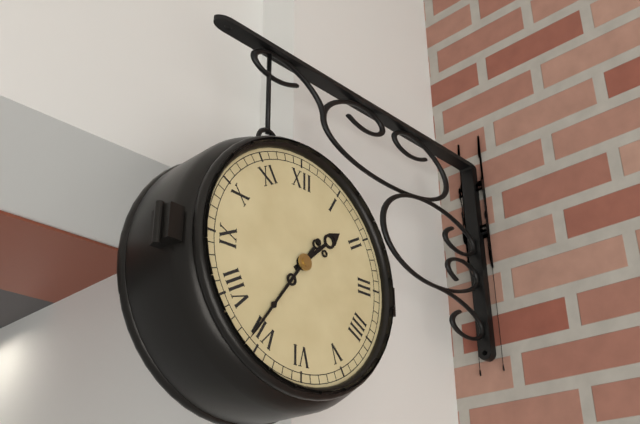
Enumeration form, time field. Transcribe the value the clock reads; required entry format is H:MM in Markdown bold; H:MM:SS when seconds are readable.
**1:36**
